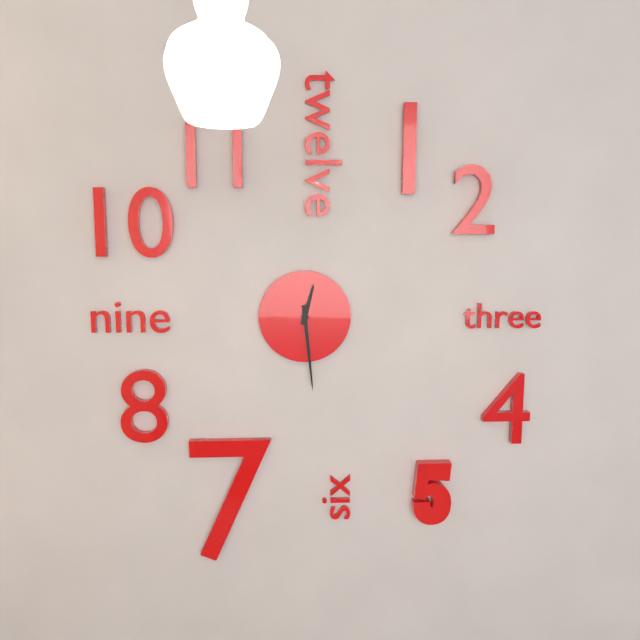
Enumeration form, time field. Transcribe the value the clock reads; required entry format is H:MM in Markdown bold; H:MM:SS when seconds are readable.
**12:29**
